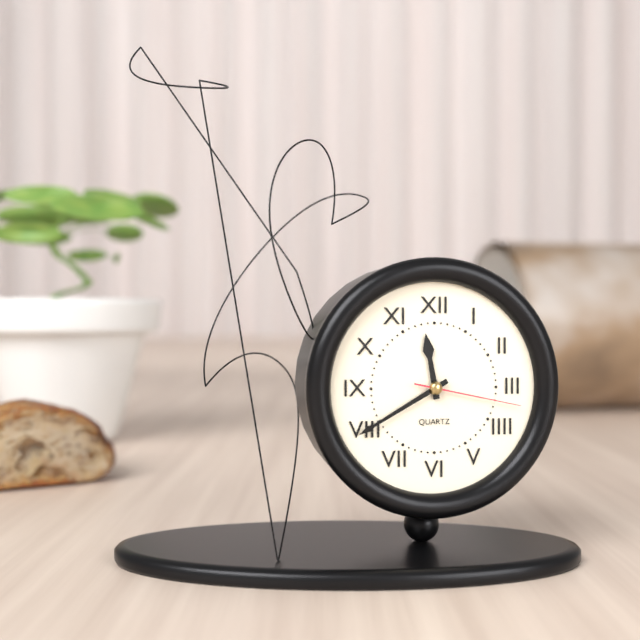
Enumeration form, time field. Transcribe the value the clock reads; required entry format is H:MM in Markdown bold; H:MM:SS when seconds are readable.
**11:40:17**
